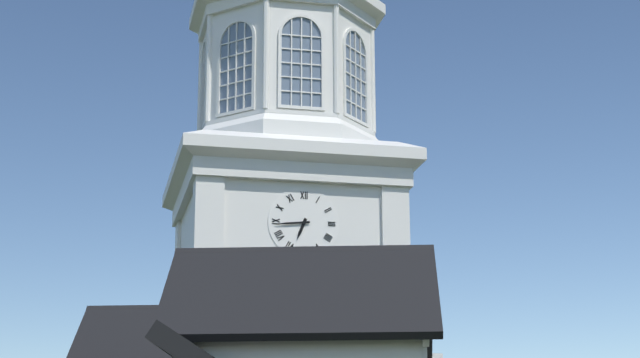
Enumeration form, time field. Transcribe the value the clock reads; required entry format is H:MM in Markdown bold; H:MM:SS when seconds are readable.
**6:44**
